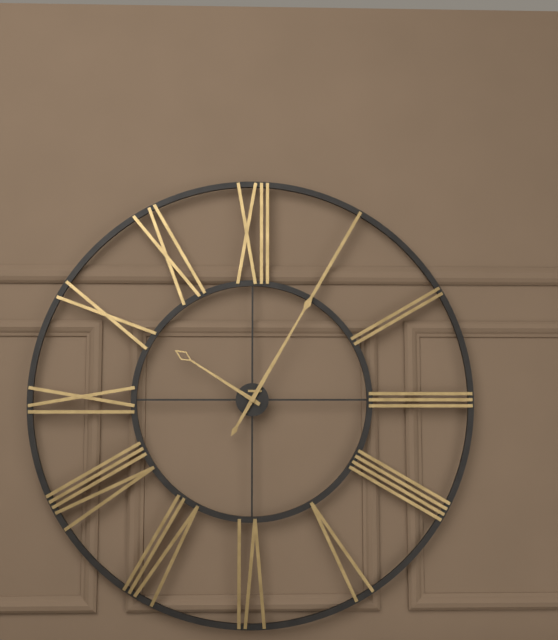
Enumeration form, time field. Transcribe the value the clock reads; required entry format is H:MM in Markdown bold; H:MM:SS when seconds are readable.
**10:05**
